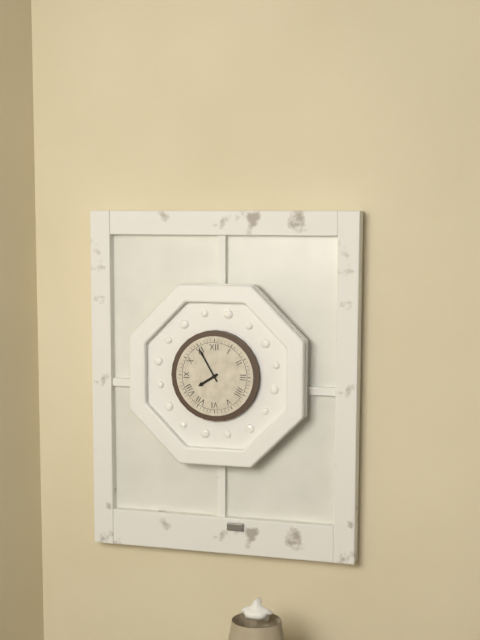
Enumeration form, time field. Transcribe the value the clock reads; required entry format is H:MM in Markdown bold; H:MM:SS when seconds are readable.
**7:55**
